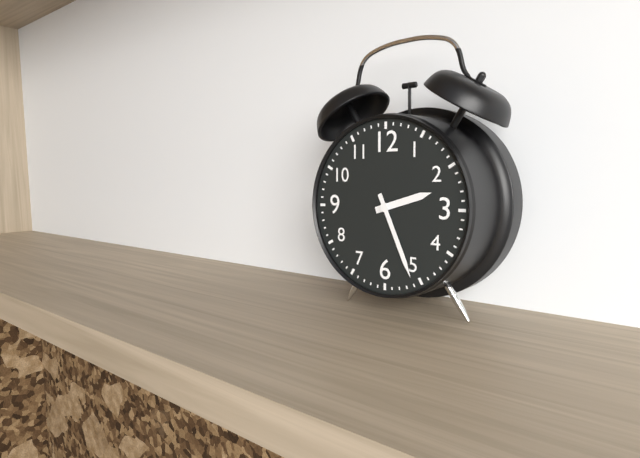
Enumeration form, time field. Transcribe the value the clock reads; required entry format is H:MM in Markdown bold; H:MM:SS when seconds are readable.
**2:26**
